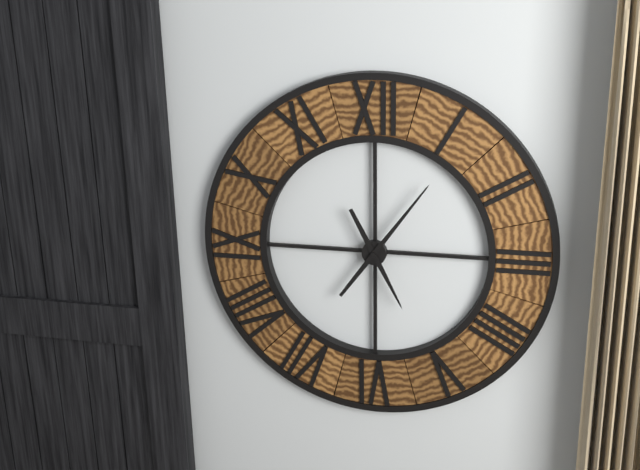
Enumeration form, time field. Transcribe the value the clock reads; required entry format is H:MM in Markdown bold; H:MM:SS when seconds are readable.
**5:06**
